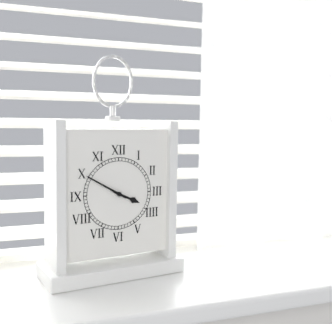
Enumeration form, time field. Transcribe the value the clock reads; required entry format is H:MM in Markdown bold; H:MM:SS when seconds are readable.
**3:50**
